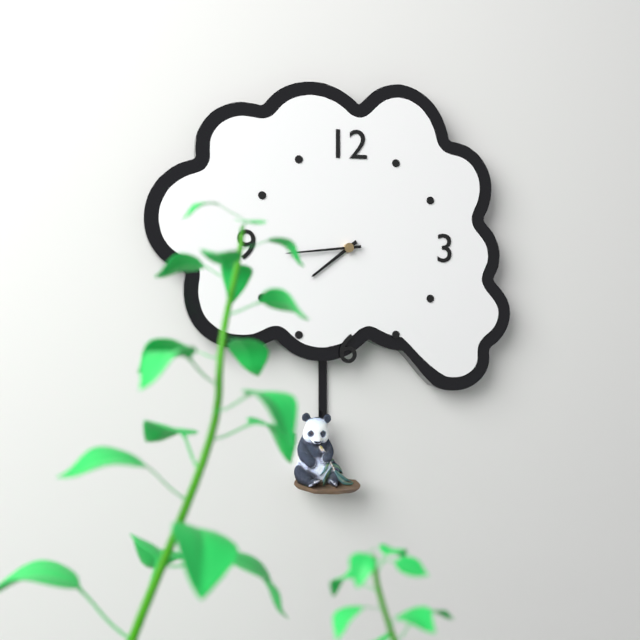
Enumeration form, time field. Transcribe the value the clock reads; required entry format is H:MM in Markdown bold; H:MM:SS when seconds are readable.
**7:44**
